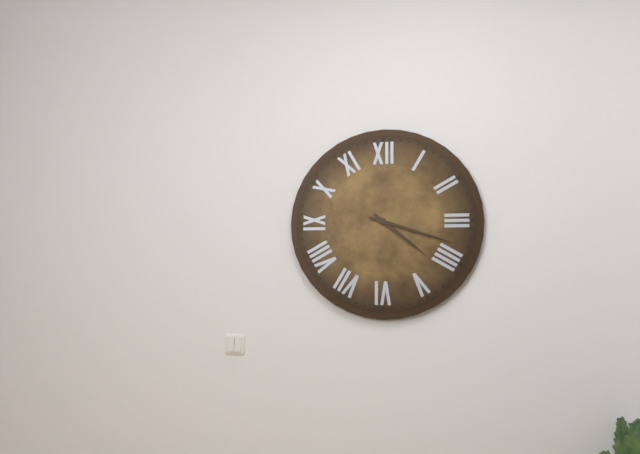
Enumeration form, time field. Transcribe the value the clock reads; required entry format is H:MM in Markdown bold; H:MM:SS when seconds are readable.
**4:18**
